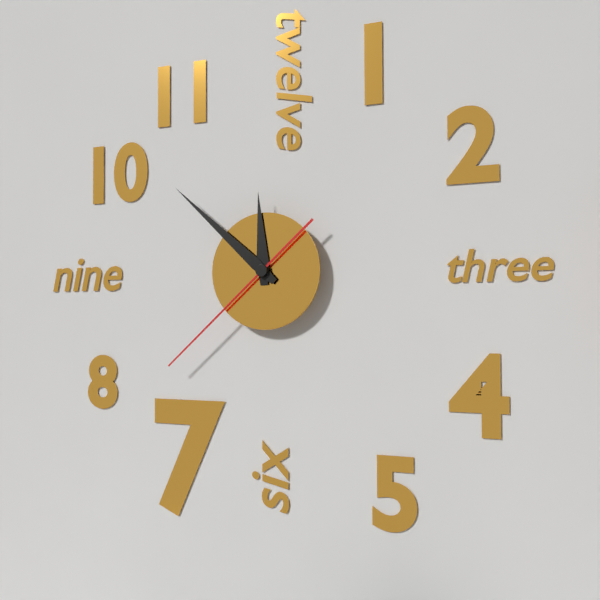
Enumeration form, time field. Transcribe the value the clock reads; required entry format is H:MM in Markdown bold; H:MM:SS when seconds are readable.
**11:52:38**
